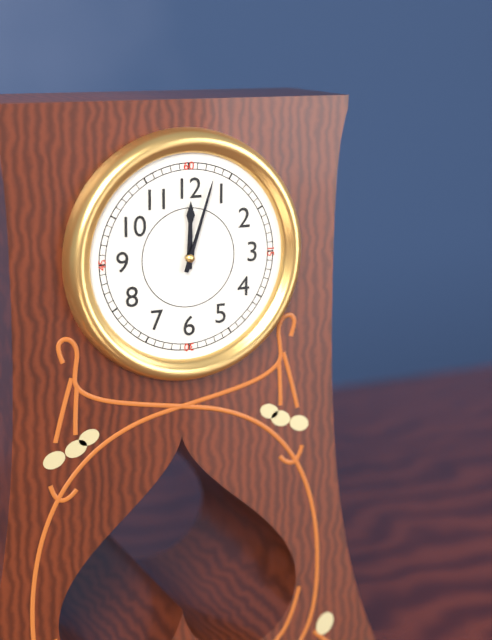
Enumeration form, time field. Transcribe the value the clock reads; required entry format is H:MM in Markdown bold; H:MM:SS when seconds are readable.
**12:03**
